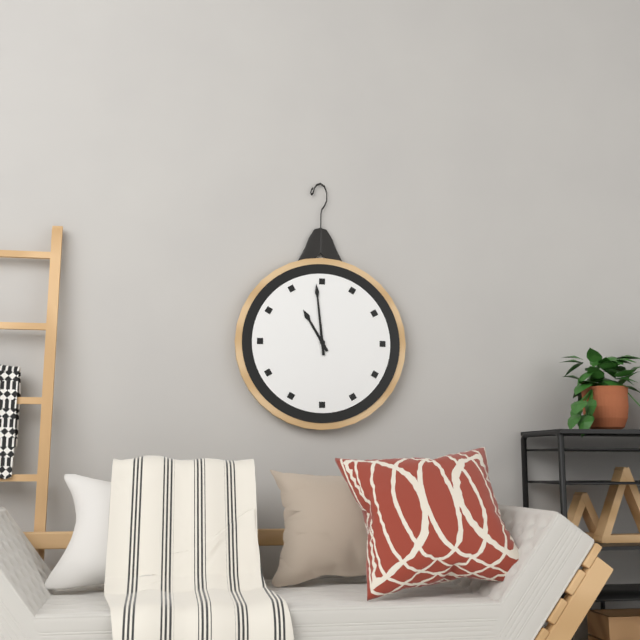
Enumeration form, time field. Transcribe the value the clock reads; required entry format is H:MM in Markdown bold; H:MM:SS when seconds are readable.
**10:59**
